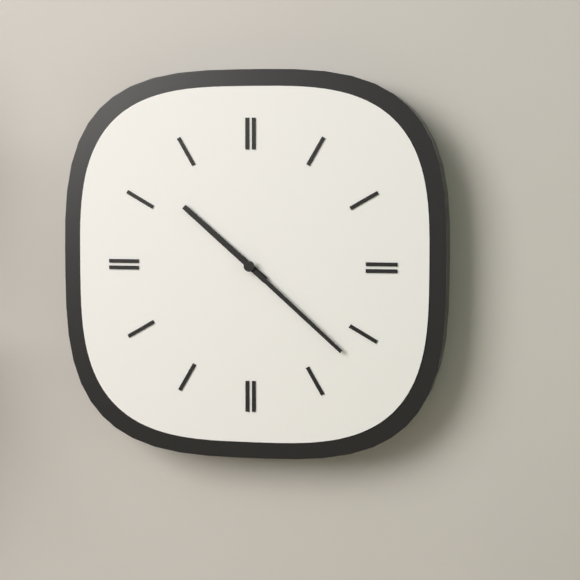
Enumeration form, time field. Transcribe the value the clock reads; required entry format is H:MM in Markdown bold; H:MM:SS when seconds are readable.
**10:22**
